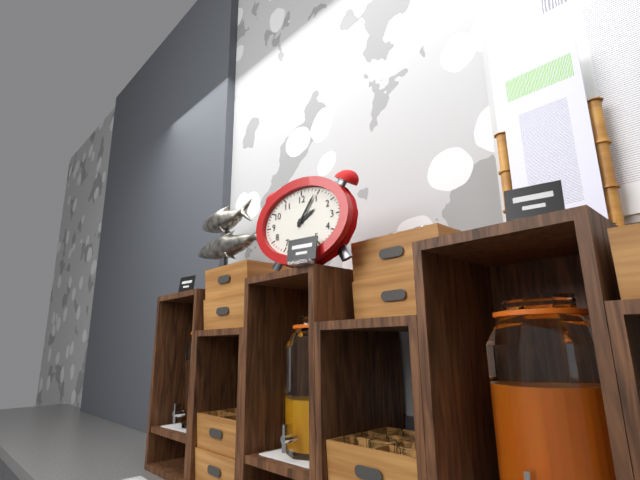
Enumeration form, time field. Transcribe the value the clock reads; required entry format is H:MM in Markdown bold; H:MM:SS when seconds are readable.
**2:06**
